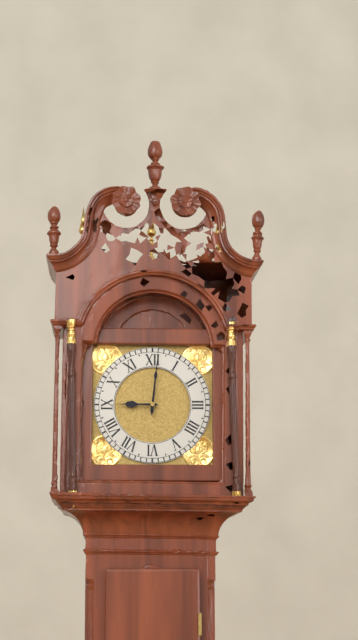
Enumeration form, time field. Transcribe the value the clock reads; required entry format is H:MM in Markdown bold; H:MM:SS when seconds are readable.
**9:01**
